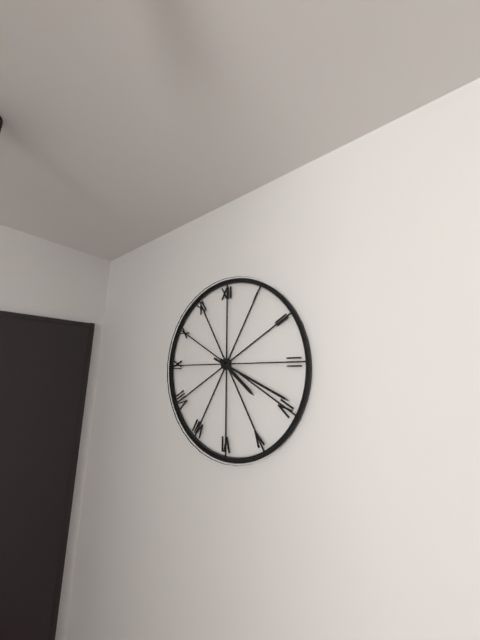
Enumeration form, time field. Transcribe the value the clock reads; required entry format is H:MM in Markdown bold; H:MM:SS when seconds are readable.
**4:19**
